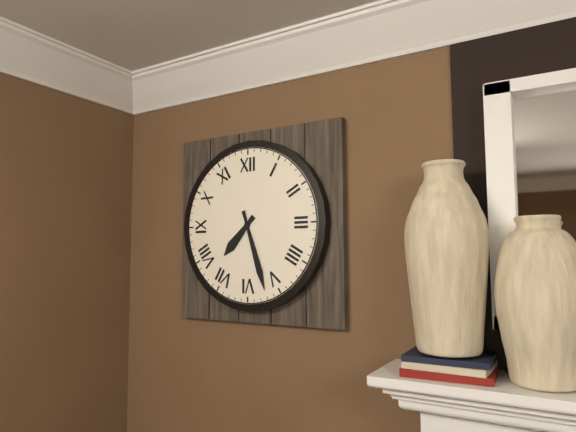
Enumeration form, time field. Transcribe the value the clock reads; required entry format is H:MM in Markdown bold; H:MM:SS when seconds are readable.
**7:27**
